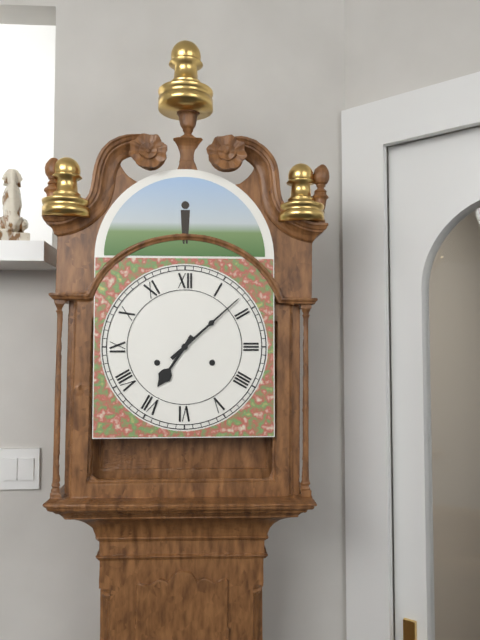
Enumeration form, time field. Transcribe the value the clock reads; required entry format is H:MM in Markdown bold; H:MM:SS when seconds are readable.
**7:08**
